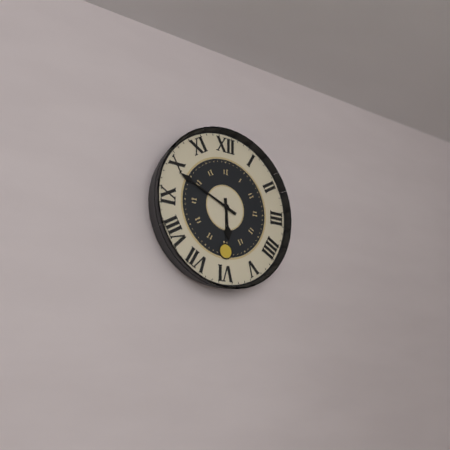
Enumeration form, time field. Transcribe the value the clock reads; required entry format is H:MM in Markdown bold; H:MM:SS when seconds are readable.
**5:49**
